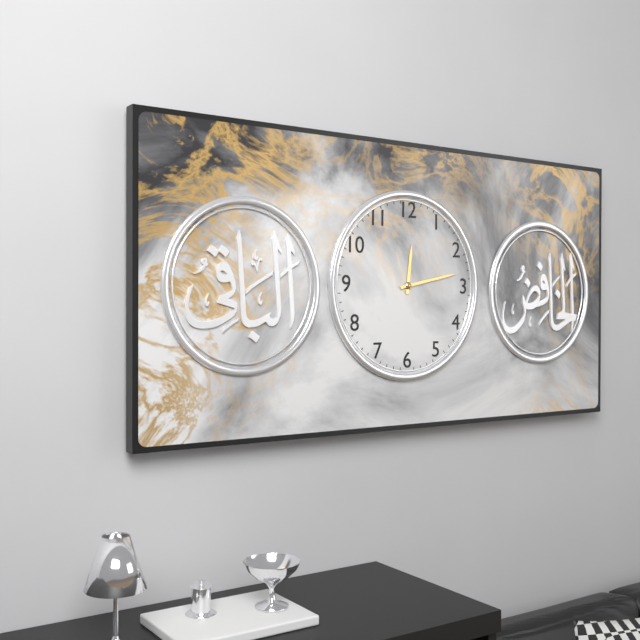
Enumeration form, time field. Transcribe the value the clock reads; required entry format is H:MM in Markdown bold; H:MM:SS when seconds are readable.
**12:13**
